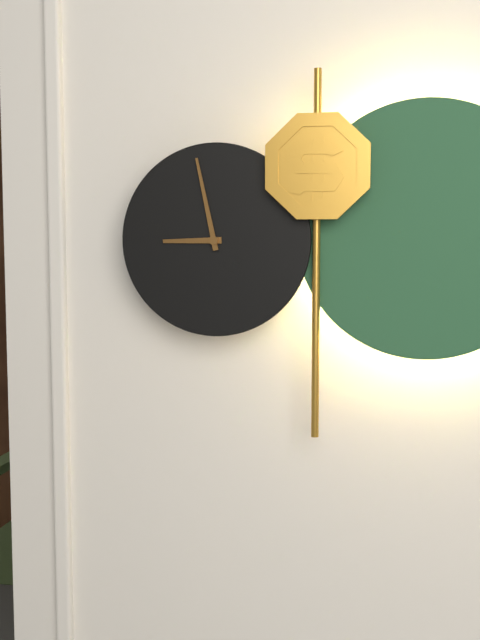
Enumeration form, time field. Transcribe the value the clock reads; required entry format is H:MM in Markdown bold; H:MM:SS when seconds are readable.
**8:58**
